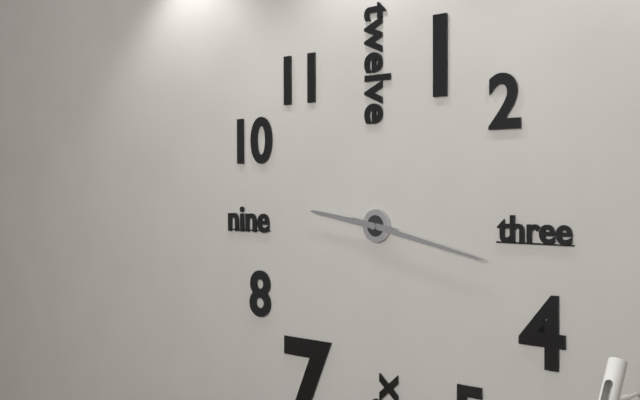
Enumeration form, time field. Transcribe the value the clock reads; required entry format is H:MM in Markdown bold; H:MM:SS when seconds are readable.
**9:17**
